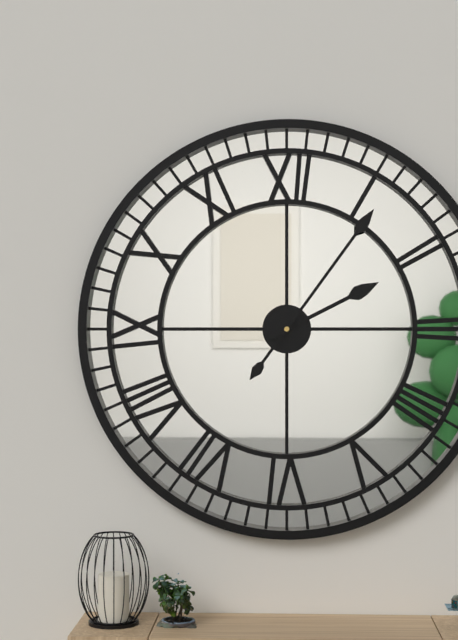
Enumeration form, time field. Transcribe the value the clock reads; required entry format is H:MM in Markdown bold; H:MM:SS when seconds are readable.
**2:06**
